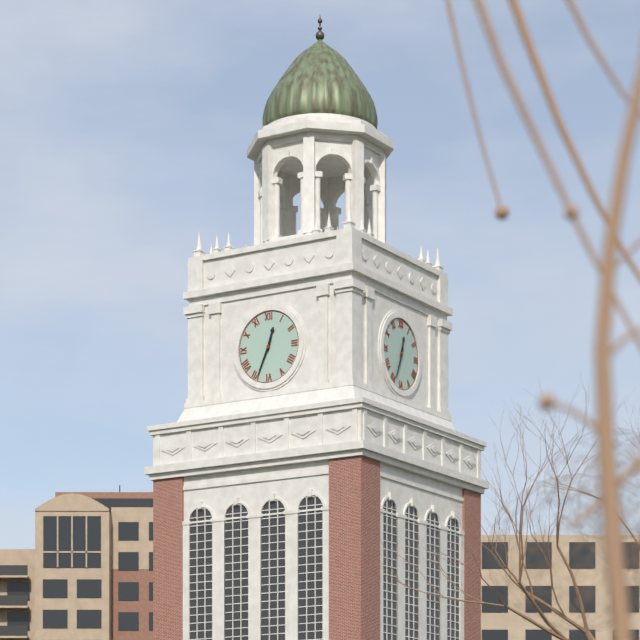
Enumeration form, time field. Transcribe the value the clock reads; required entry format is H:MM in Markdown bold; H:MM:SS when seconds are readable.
**12:34**
